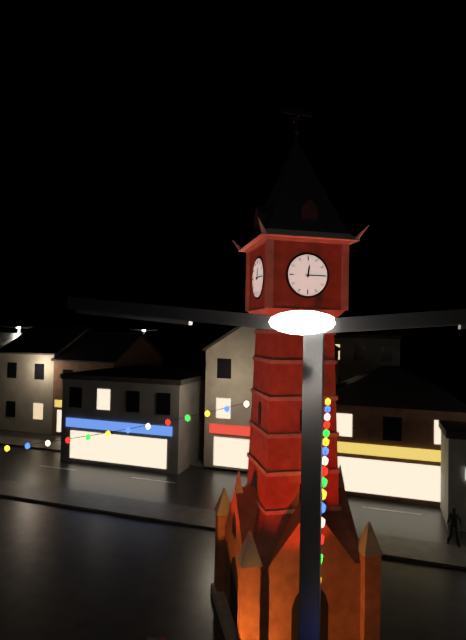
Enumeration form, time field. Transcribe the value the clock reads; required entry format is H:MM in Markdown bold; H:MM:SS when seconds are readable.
**12:15**
